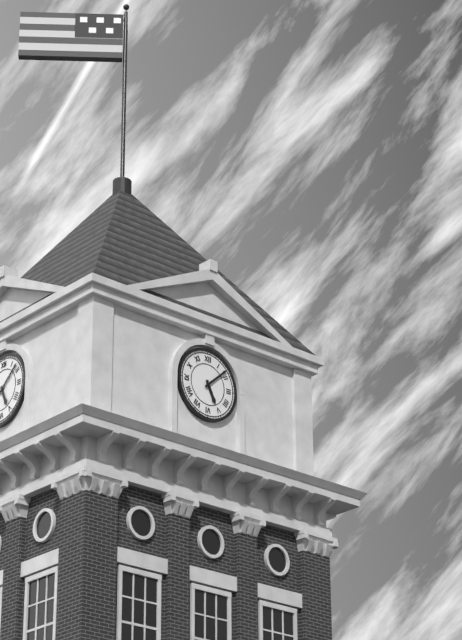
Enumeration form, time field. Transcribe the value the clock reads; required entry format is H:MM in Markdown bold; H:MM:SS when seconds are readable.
**5:08**
